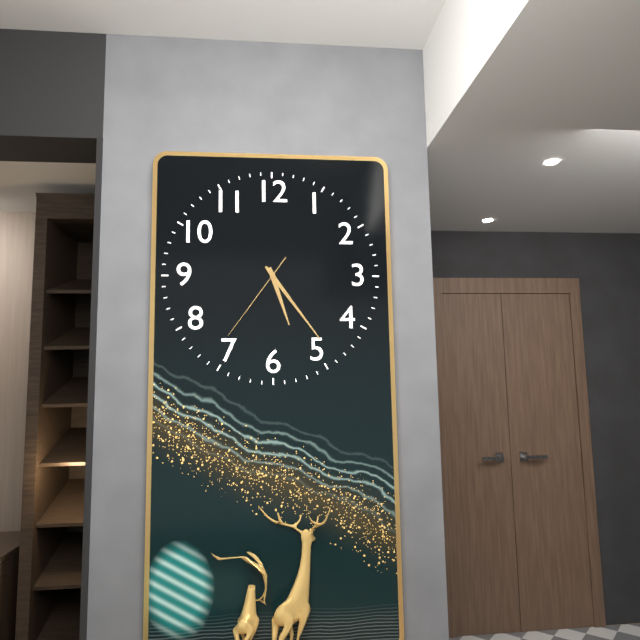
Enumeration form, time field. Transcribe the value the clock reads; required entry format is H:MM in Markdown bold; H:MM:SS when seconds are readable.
**5:24:36**
